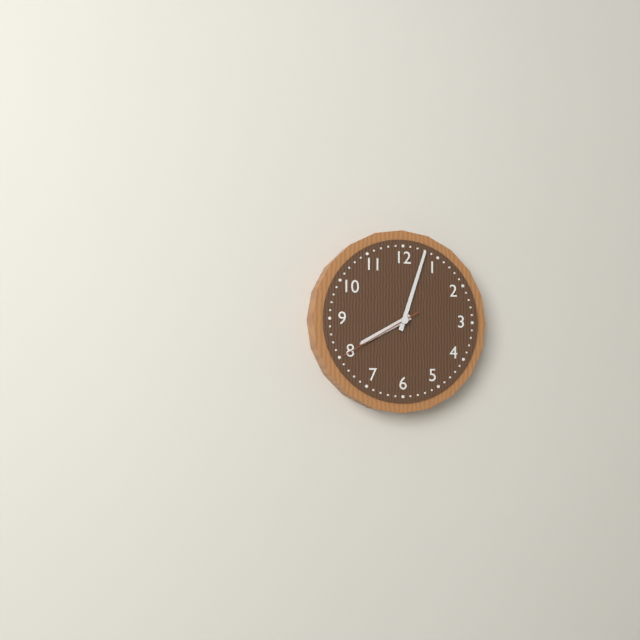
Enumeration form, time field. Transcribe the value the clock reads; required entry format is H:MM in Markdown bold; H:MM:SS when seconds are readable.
**8:03:40**
